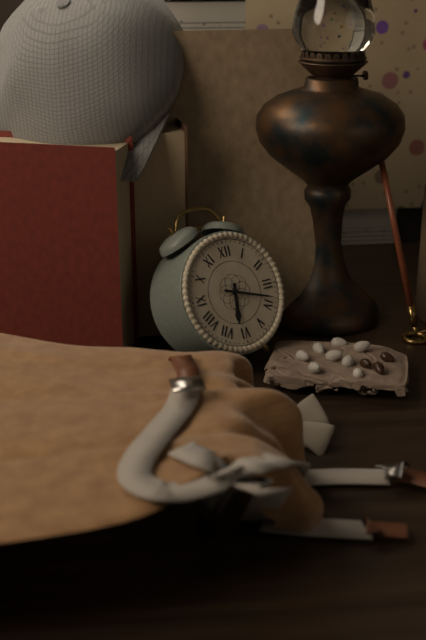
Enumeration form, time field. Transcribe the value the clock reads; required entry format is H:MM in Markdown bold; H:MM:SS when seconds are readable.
**6:18**
